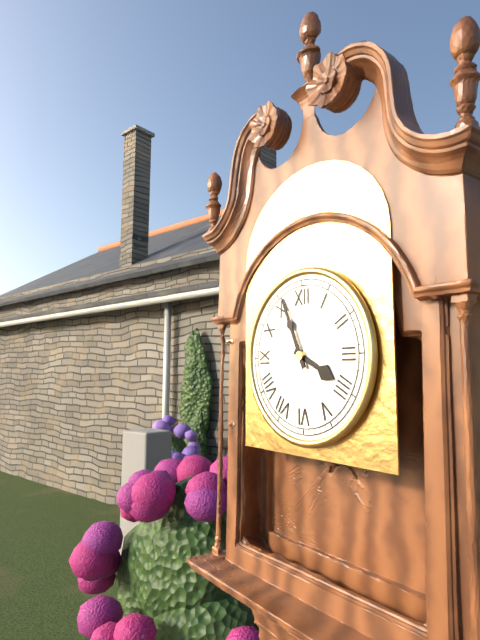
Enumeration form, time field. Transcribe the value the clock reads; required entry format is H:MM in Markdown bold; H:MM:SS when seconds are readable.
**3:56**
